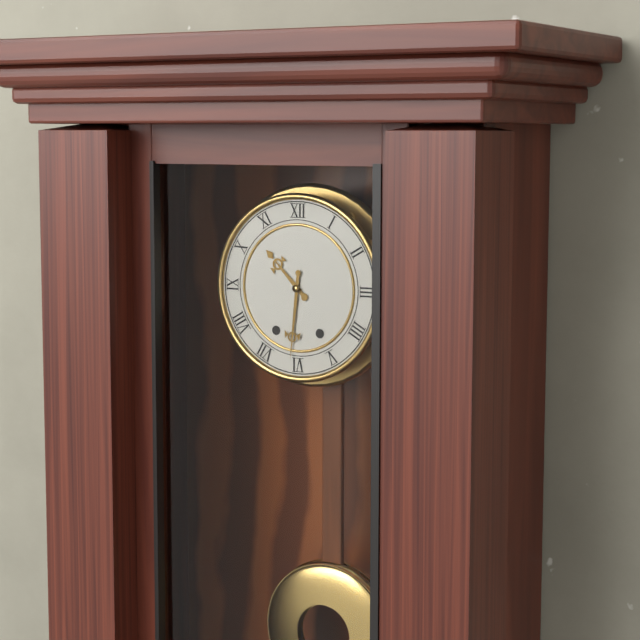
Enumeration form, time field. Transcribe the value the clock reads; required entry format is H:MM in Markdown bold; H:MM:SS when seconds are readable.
**10:31**
